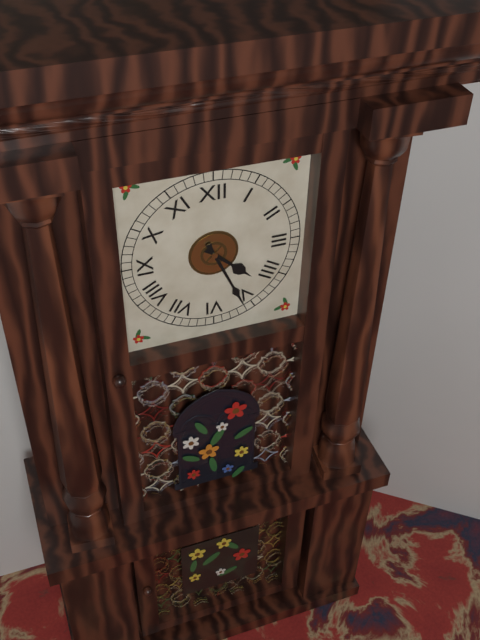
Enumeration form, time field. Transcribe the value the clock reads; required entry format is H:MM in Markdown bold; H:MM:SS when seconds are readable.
**4:26**
